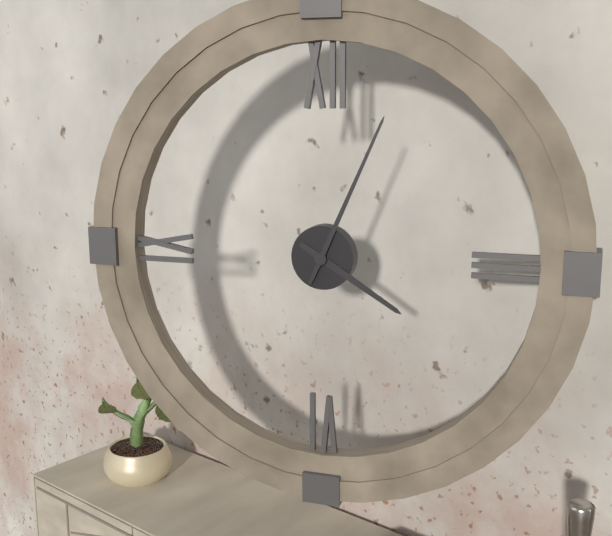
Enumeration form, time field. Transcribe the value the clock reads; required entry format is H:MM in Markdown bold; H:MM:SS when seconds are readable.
**4:04**
